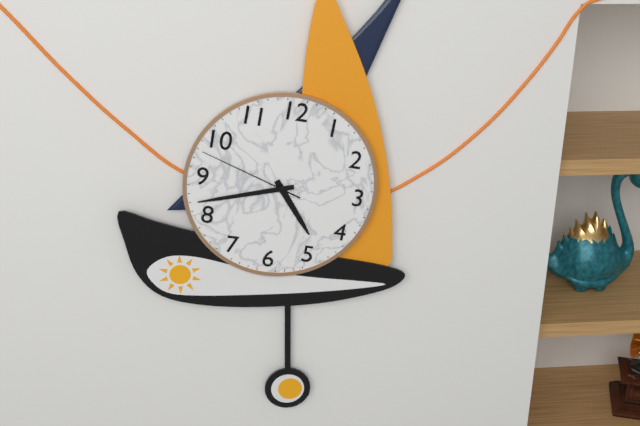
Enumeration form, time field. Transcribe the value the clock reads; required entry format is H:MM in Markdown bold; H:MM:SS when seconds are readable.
**4:42:48**
